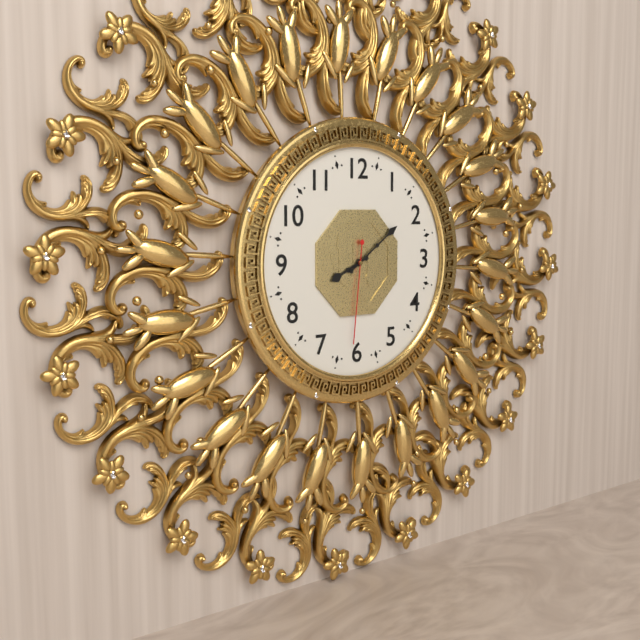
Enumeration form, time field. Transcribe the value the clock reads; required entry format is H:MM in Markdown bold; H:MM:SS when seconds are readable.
**8:09:31**
